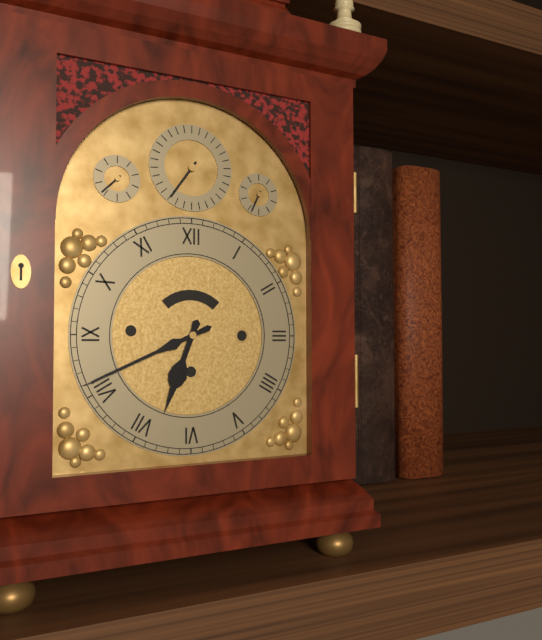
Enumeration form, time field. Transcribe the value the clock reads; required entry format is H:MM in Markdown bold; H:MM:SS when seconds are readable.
**6:41**
